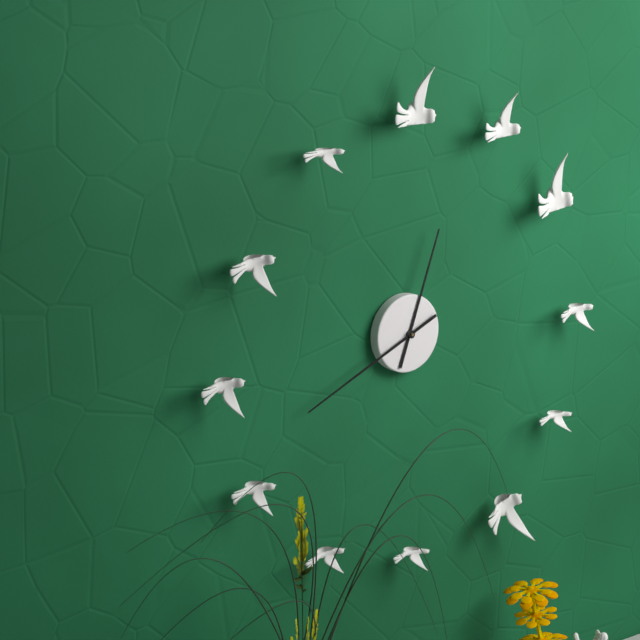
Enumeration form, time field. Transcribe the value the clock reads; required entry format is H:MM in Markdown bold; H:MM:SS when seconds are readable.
**12:41**
